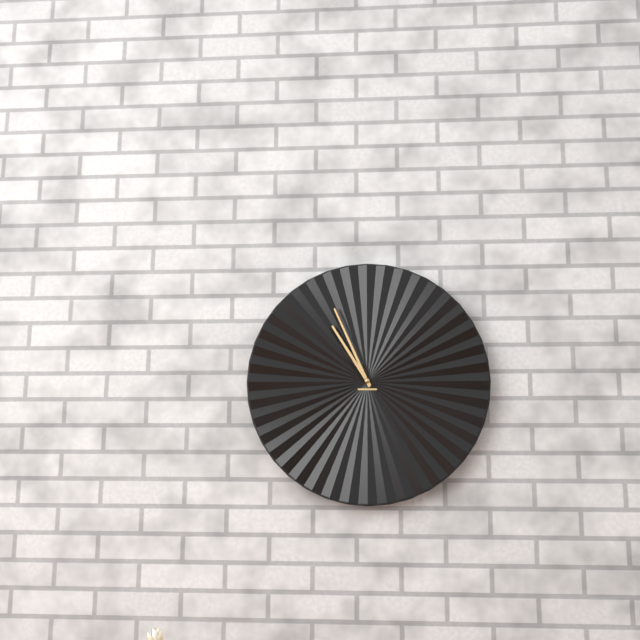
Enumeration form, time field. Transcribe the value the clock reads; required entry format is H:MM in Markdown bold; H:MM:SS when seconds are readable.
**10:56**
